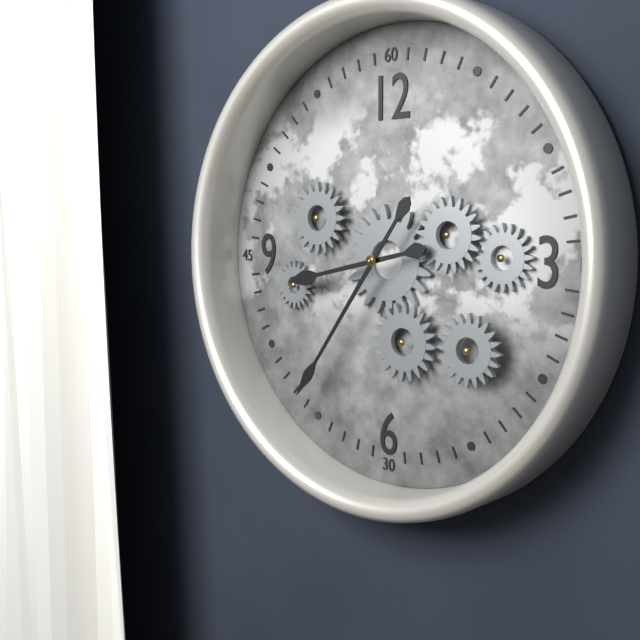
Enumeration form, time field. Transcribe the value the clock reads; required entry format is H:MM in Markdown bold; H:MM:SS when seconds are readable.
**8:36**
